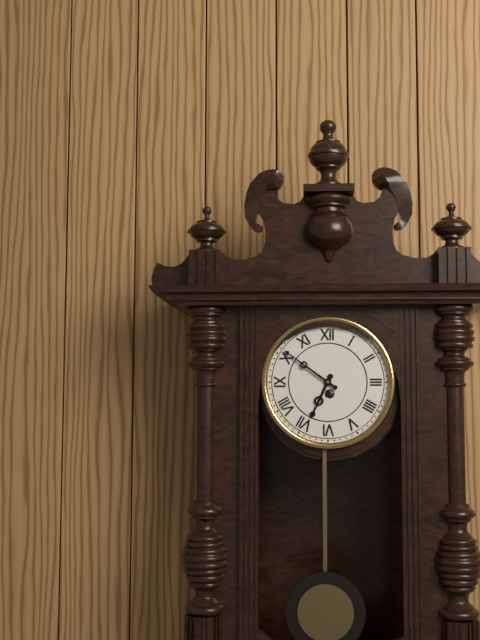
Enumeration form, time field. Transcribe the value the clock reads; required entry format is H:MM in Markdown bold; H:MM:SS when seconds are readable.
**6:51**
